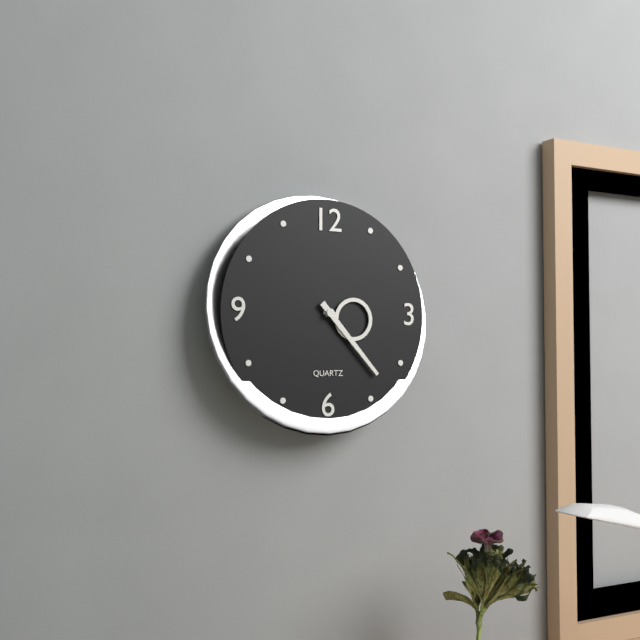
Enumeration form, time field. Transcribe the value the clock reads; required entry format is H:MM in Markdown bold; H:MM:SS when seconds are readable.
**3:23**
